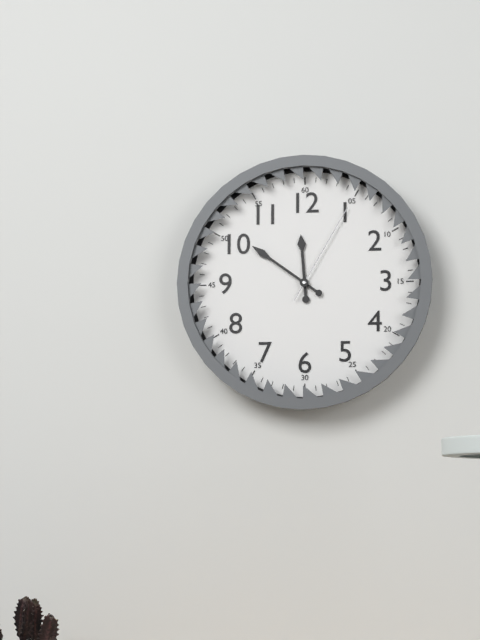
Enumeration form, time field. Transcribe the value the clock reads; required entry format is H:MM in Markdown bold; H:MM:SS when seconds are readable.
**11:51:05**
